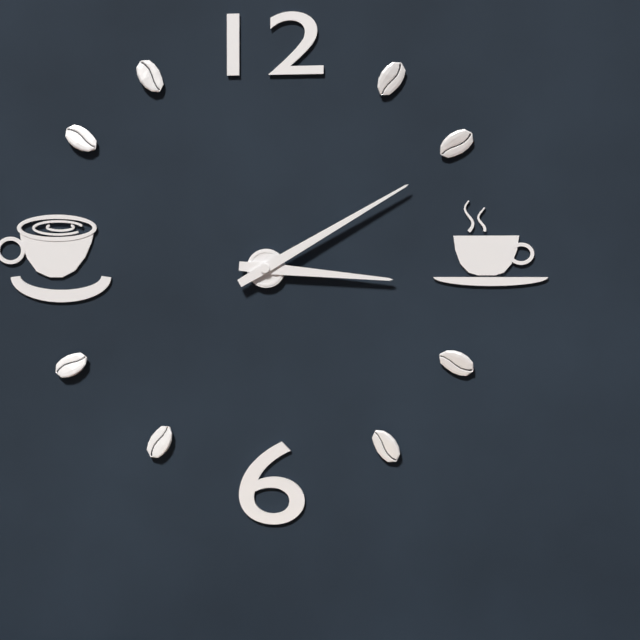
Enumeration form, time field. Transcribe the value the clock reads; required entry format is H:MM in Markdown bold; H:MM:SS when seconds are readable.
**3:10**
